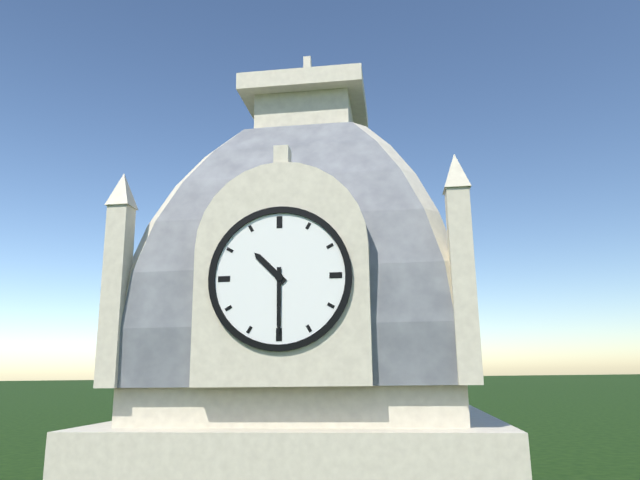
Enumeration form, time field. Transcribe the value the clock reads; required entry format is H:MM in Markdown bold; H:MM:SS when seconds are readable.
**10:30**
